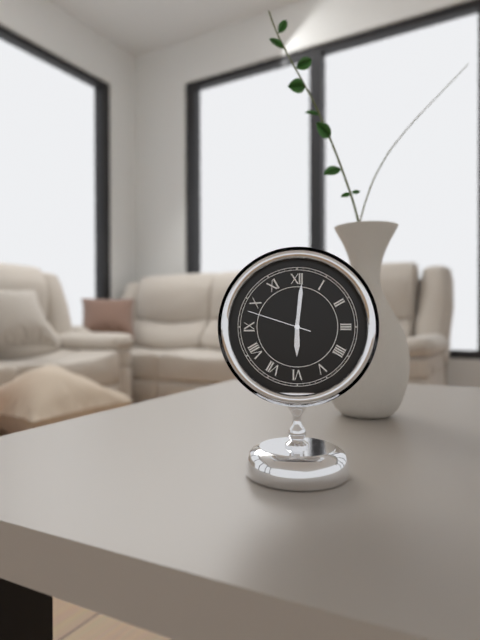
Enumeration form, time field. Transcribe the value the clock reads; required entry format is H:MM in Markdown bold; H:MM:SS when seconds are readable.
**6:01:48**
